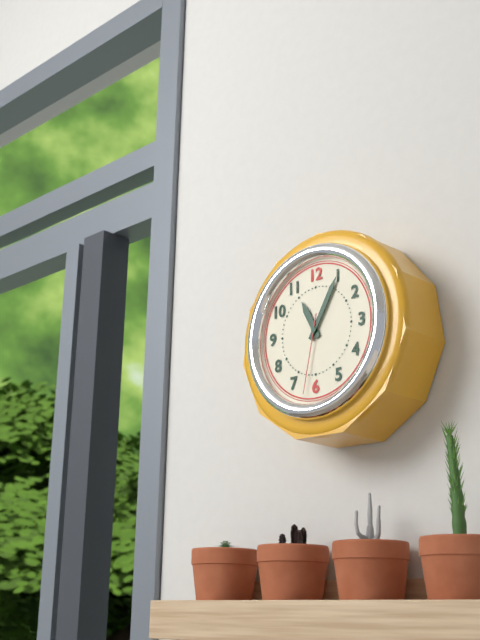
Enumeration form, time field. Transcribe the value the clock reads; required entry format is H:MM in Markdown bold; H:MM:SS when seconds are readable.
**11:05:32**
